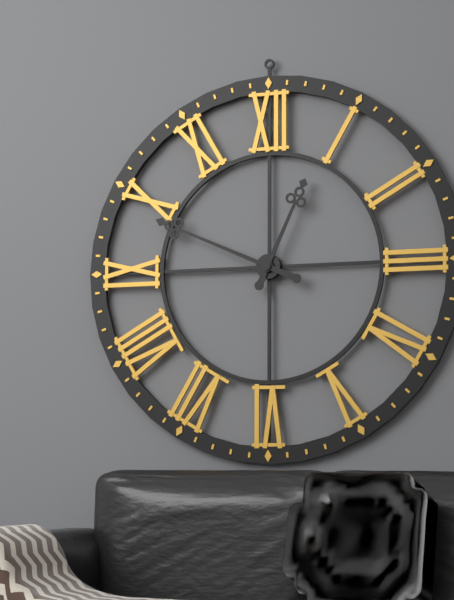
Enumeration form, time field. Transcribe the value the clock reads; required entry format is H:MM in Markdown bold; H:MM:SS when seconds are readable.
**12:49**
